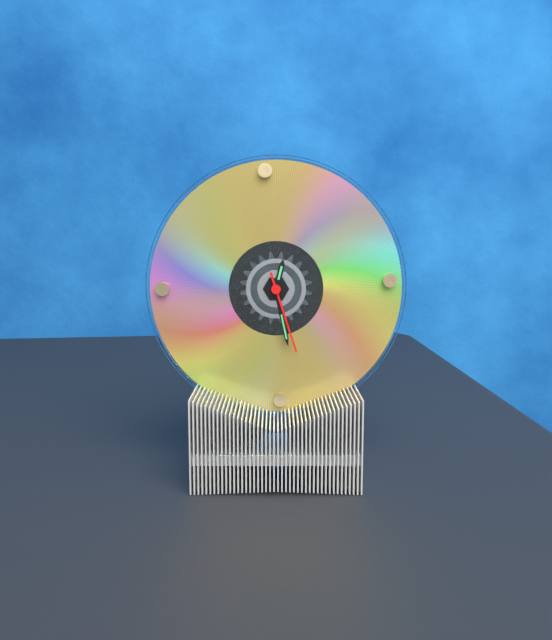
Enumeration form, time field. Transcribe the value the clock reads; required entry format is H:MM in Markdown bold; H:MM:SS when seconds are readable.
**12:28:27**
